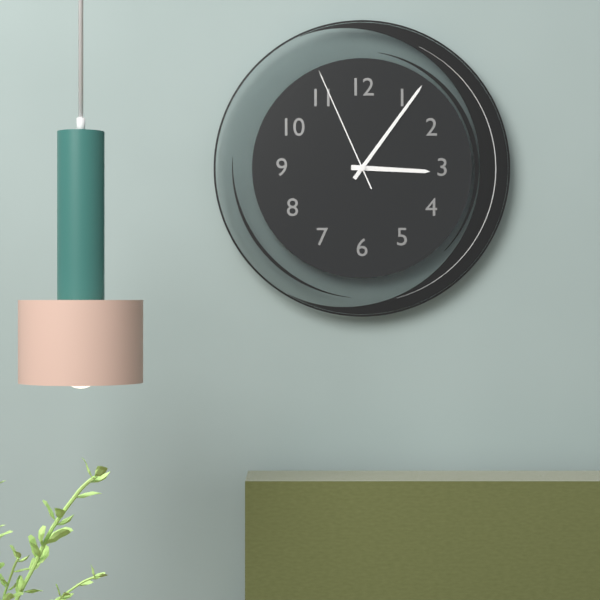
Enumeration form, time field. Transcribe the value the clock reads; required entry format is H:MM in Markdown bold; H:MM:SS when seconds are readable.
**3:06:56**
